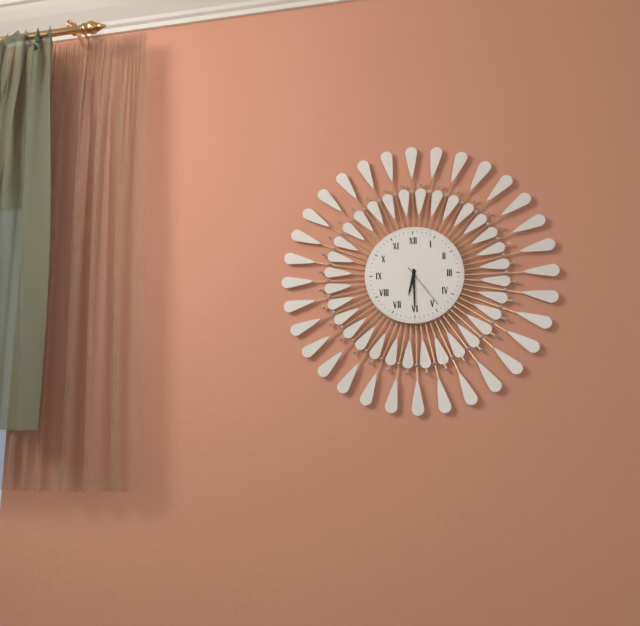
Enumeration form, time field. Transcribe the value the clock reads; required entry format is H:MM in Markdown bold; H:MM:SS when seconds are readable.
**6:30**
